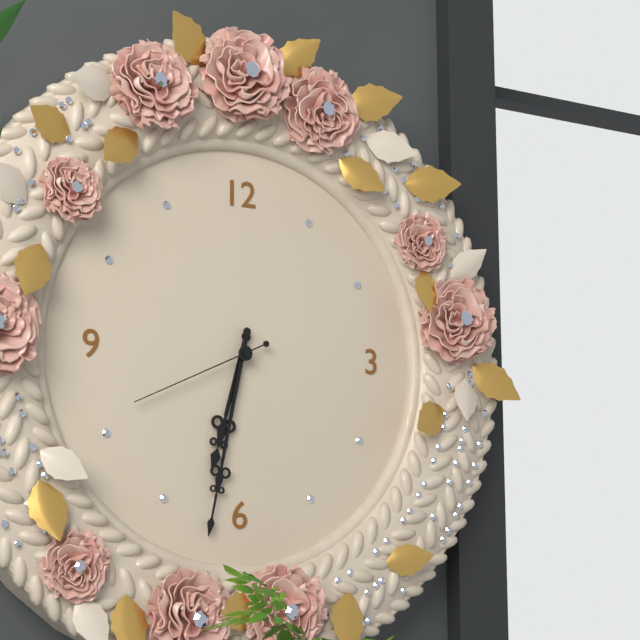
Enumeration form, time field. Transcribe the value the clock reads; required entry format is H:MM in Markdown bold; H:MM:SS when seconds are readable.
**6:32:41**
